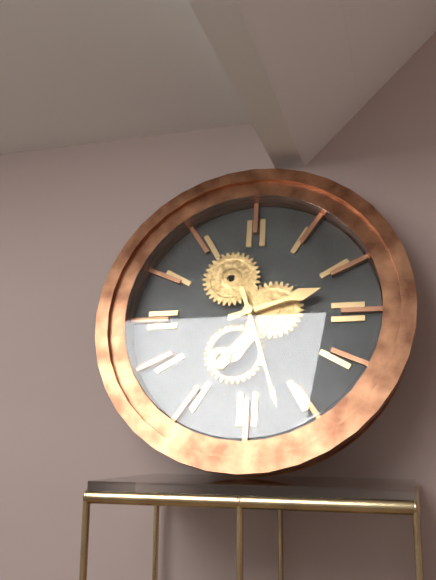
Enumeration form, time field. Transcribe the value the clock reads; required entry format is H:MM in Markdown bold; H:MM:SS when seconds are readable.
**2:27**
